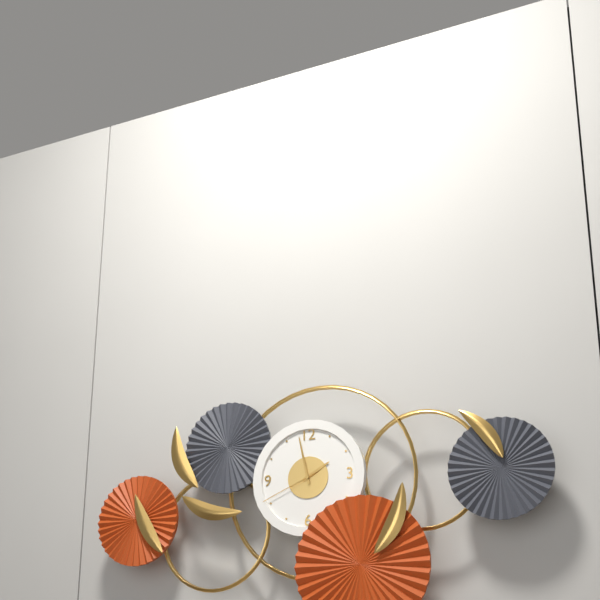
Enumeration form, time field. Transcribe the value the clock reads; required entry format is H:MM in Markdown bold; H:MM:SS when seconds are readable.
**1:58:41**
